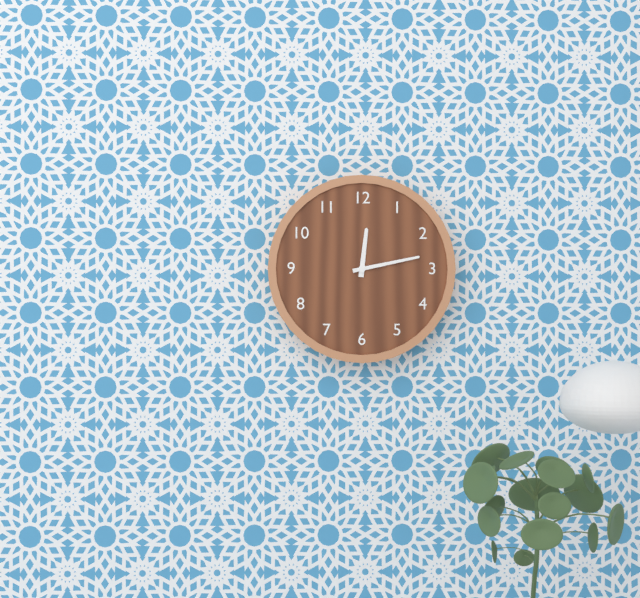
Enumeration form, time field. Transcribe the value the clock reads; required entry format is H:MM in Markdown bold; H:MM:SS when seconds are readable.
**12:13**
